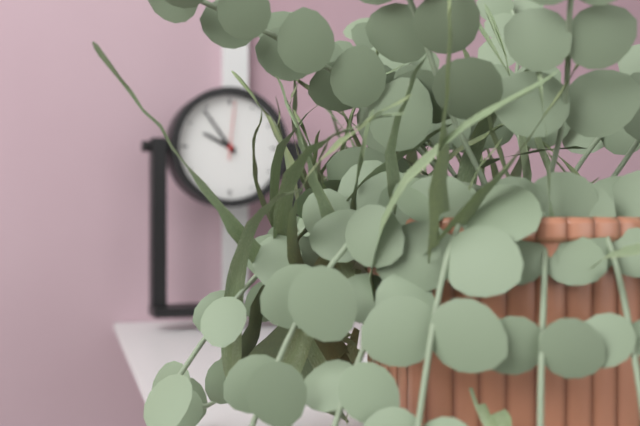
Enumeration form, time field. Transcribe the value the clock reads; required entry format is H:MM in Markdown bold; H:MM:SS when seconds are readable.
**9:54:01**
